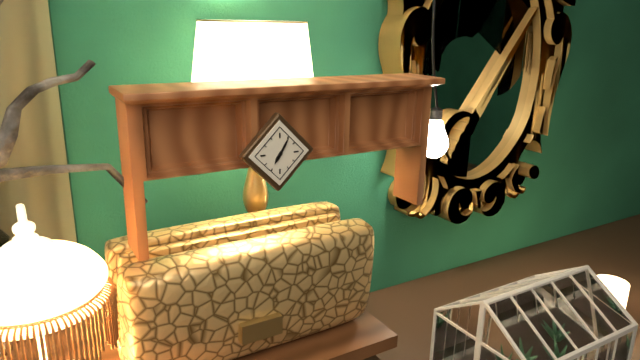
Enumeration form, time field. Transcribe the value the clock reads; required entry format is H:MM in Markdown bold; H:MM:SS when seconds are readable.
**7:05**
